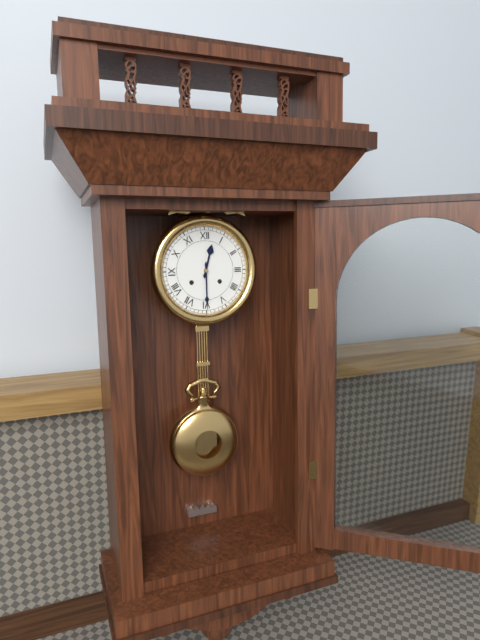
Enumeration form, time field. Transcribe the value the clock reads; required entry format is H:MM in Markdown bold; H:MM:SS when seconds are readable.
**12:30**
